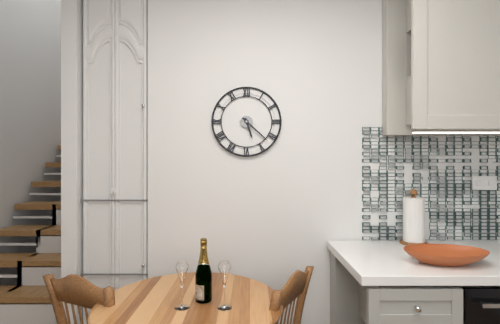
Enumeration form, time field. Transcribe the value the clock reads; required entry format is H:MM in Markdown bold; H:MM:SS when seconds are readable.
**5:22**
